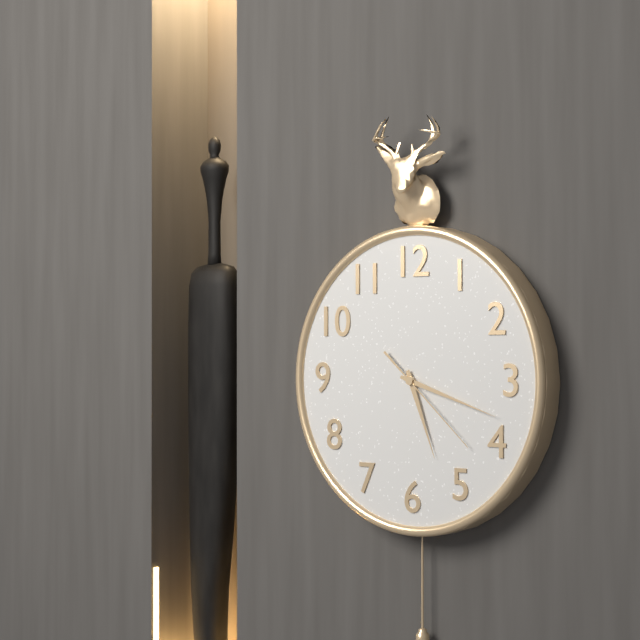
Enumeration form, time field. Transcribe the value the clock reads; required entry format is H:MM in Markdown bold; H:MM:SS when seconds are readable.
**5:18:22**
